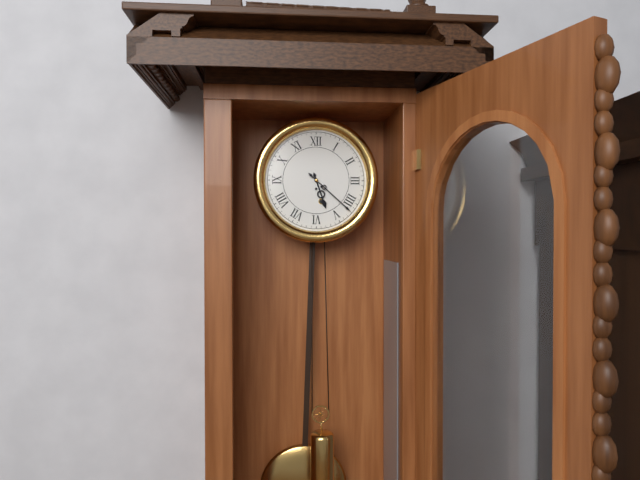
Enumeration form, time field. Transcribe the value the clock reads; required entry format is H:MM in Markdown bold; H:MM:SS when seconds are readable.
**5:22**
